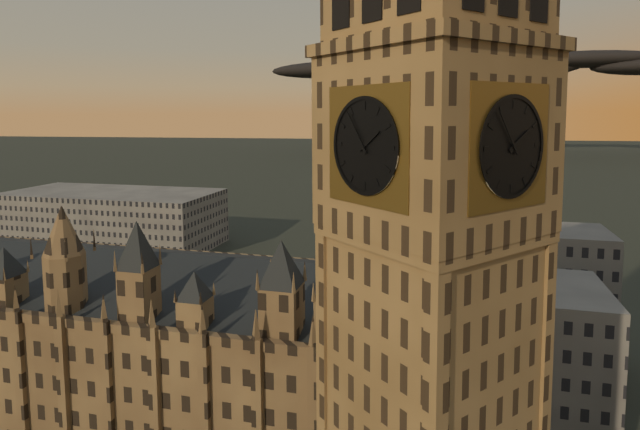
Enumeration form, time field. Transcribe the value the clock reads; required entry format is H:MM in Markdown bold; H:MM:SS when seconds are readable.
**1:54**
